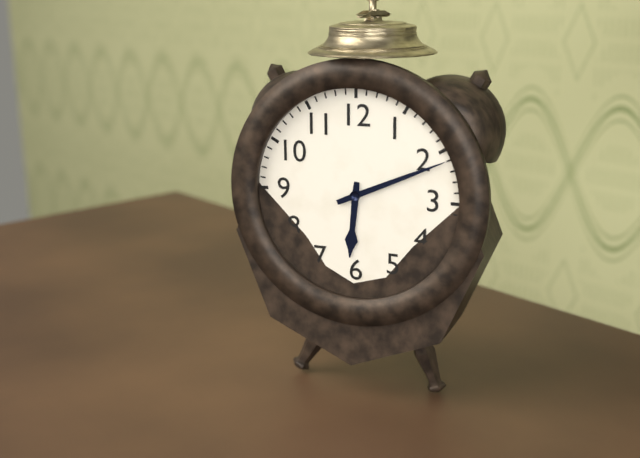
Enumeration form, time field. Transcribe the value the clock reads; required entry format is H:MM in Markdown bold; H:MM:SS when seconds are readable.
**6:11**
